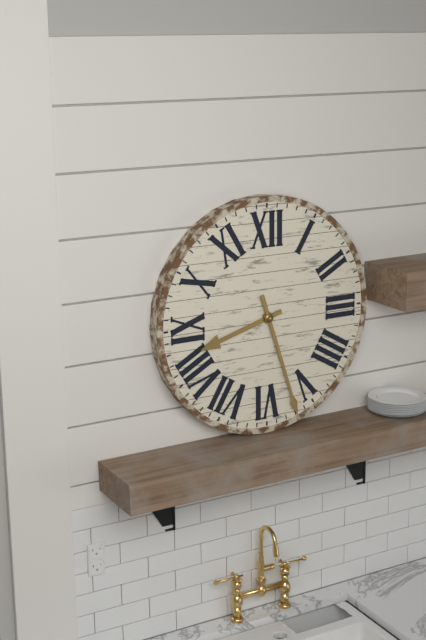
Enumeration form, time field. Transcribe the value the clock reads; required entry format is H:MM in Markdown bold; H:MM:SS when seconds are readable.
**8:27**
